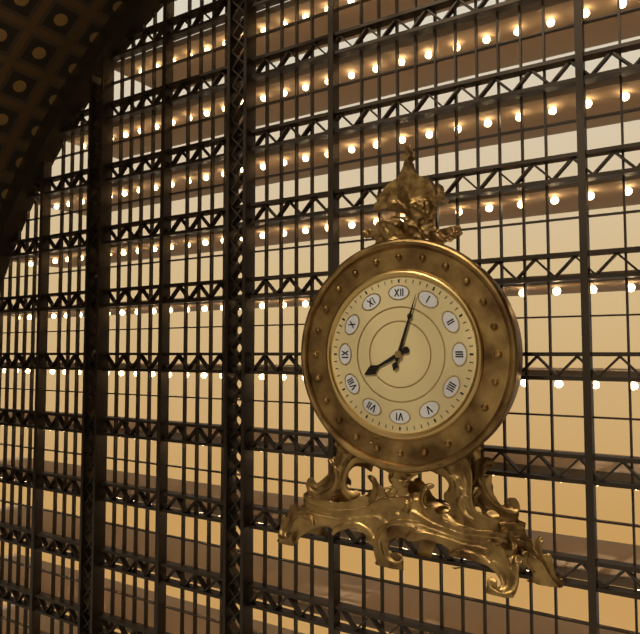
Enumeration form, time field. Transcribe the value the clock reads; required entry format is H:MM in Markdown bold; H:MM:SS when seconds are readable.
**8:03**
